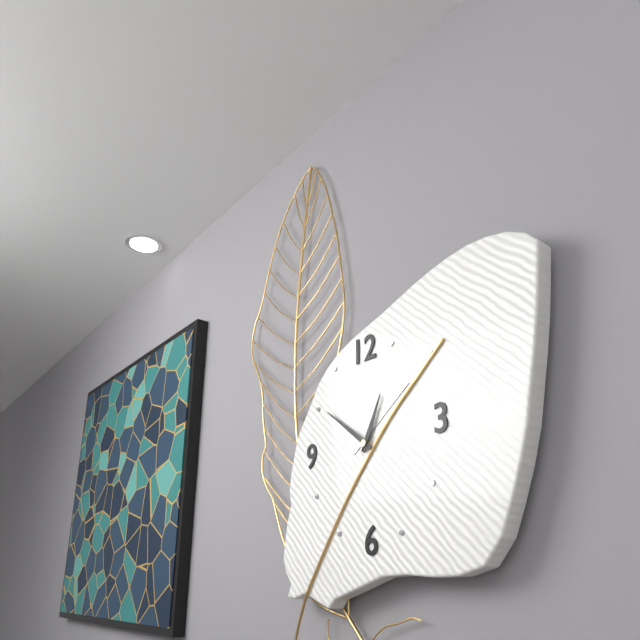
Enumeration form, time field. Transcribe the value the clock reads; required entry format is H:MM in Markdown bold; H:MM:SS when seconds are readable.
**12:51:09**
